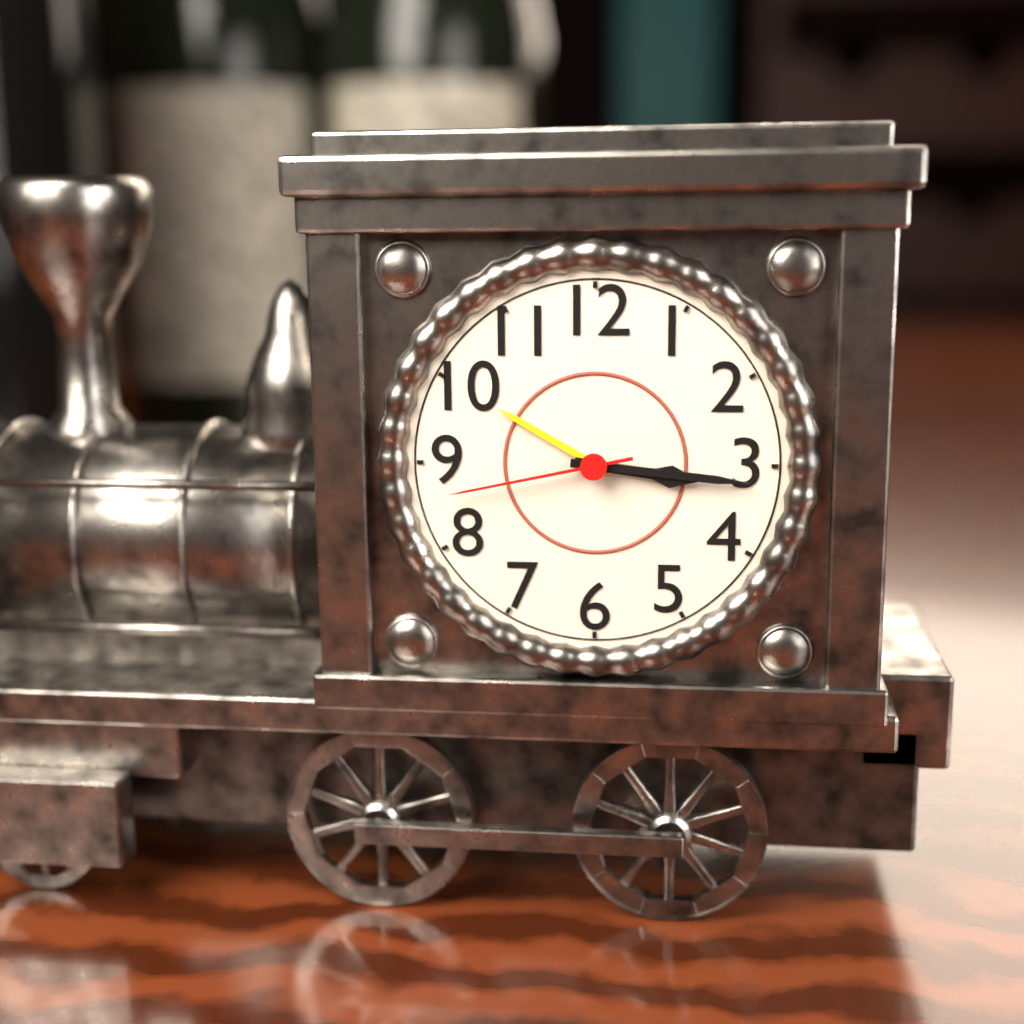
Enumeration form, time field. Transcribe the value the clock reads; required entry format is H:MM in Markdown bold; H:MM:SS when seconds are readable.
**3:16:43**
